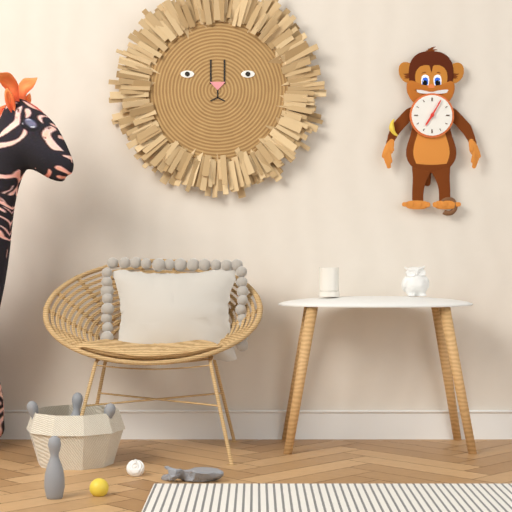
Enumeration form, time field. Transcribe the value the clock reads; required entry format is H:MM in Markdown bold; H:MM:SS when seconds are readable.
**7:05**
